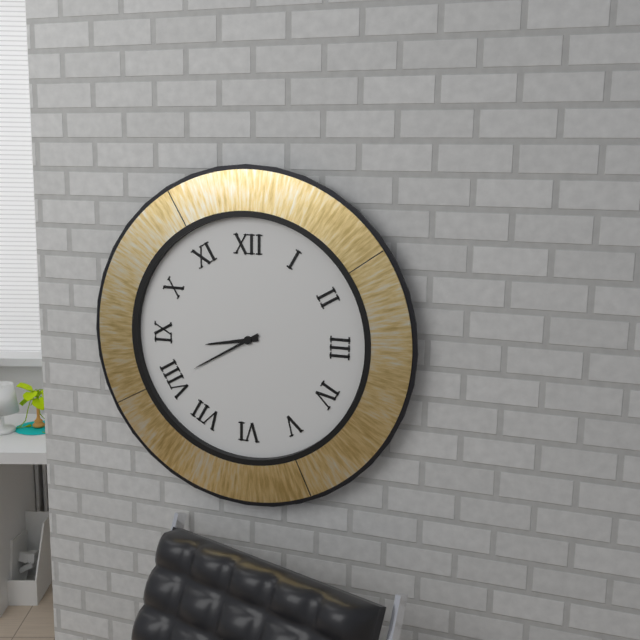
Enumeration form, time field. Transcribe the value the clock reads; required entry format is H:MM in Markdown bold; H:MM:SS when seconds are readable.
**8:40**
